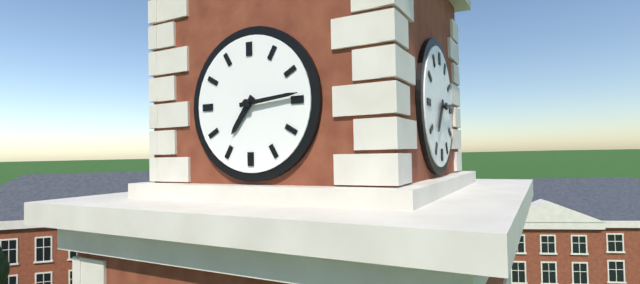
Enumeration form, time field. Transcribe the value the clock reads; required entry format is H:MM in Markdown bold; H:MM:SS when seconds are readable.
**7:14**
